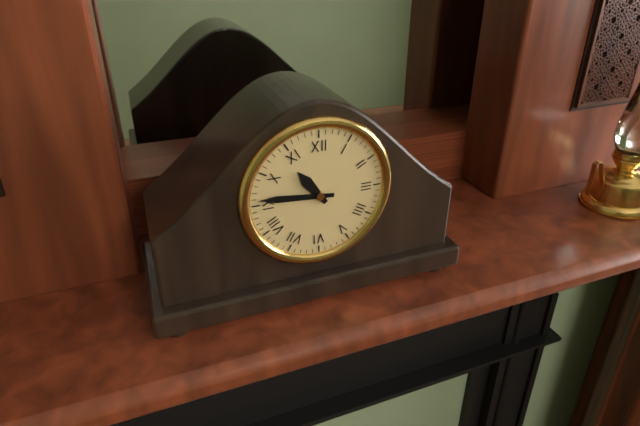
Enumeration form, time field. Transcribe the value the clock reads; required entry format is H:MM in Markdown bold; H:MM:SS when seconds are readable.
**10:46**
